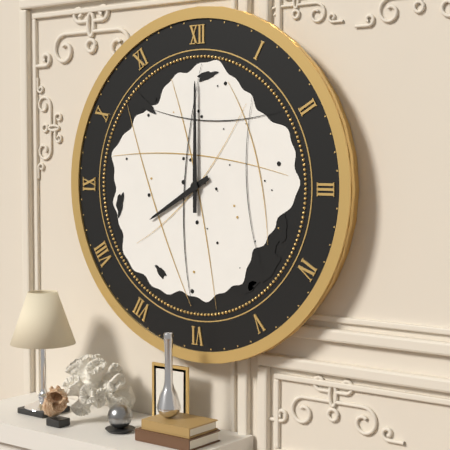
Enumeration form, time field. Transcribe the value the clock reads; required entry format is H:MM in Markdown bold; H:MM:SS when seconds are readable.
**8:00**
